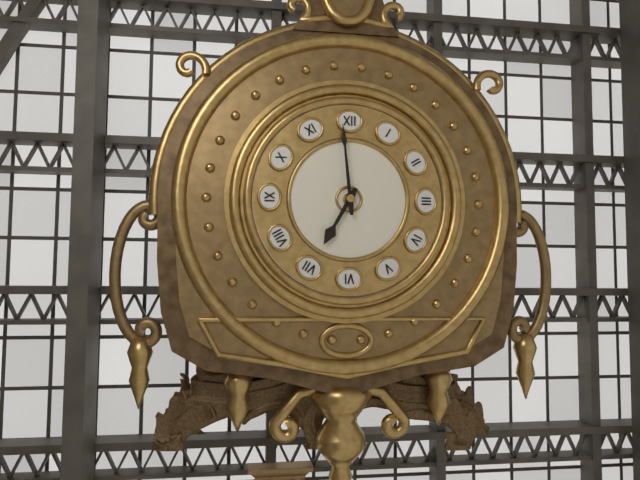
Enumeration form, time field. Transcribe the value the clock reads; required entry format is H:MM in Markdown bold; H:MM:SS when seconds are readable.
**6:59**
